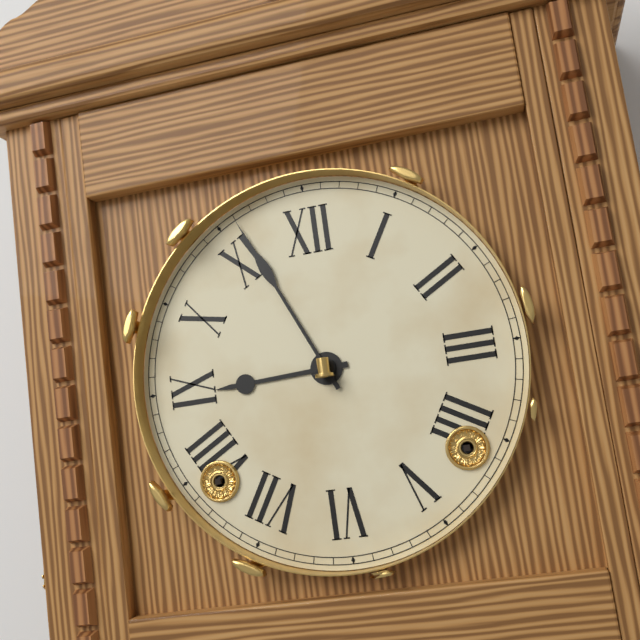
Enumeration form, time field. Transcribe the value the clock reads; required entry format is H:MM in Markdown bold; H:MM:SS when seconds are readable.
**8:56**
